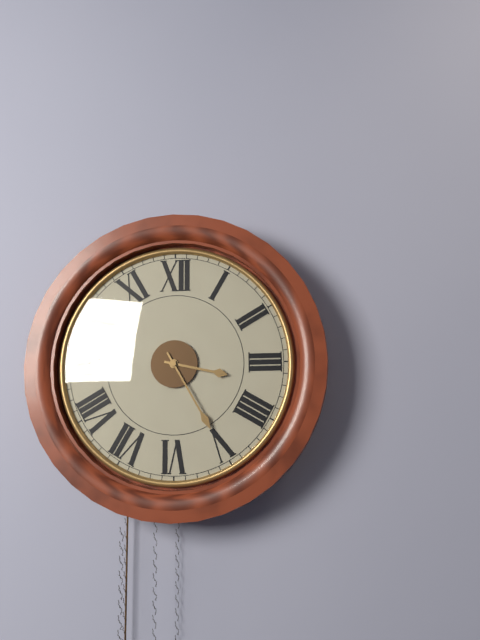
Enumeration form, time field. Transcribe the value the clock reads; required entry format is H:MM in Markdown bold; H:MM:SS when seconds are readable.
**3:25**
